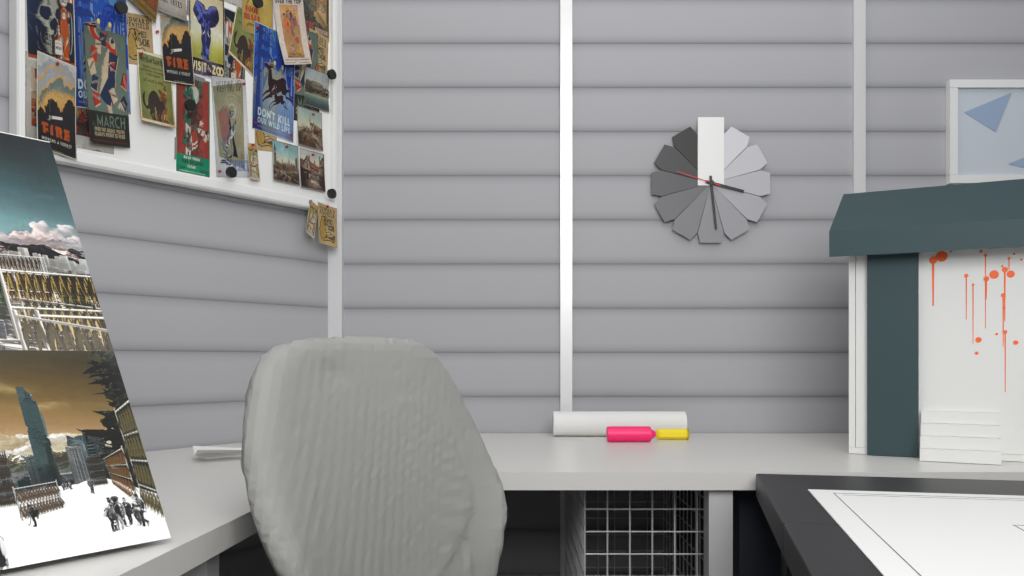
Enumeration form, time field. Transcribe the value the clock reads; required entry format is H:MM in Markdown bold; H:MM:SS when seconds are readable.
**3:29**
